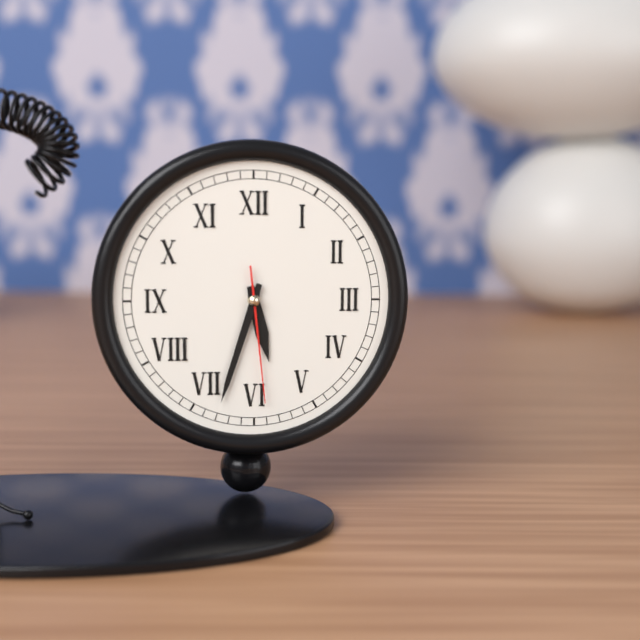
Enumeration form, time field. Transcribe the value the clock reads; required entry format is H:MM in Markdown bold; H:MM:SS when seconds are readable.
**5:33:29**
